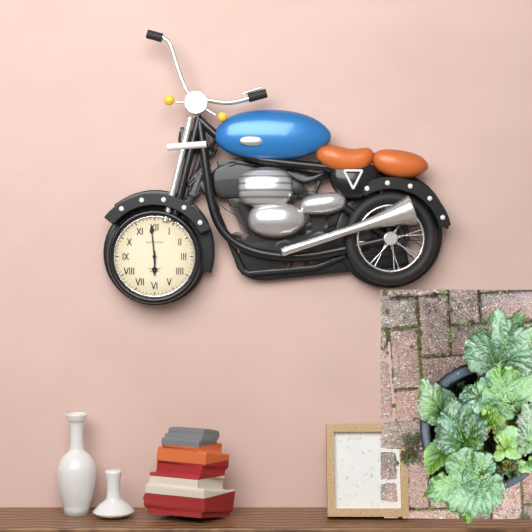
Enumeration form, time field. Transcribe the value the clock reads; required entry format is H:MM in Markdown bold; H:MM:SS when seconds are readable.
**5:59**
